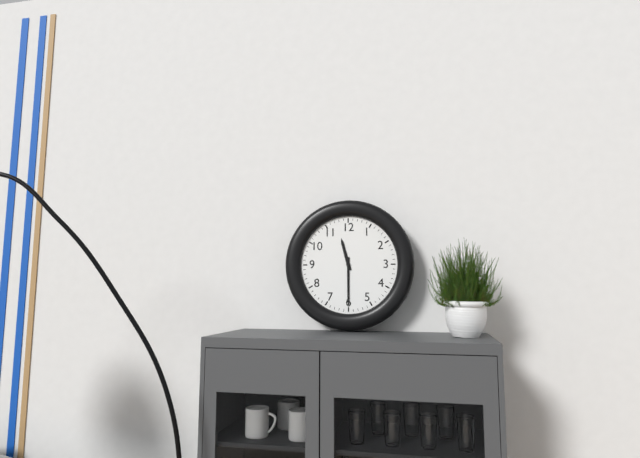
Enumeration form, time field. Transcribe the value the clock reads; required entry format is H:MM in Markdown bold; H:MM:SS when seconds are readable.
**11:30**
